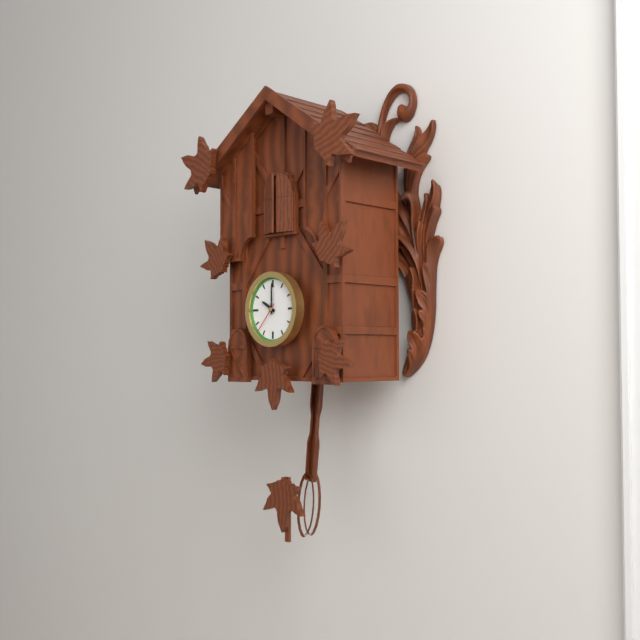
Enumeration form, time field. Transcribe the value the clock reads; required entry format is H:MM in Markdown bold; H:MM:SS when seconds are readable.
**10:00**
